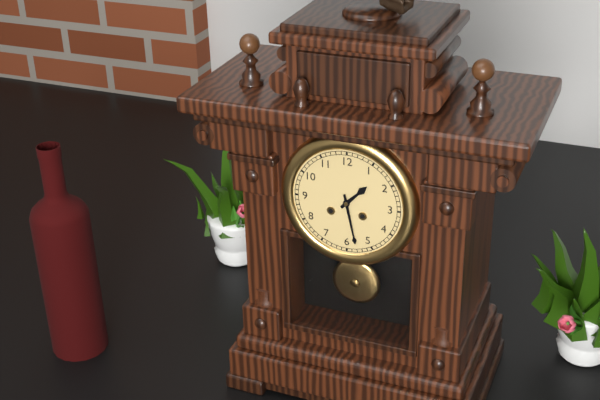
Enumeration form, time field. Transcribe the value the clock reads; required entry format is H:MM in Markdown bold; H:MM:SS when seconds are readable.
**1:28**
